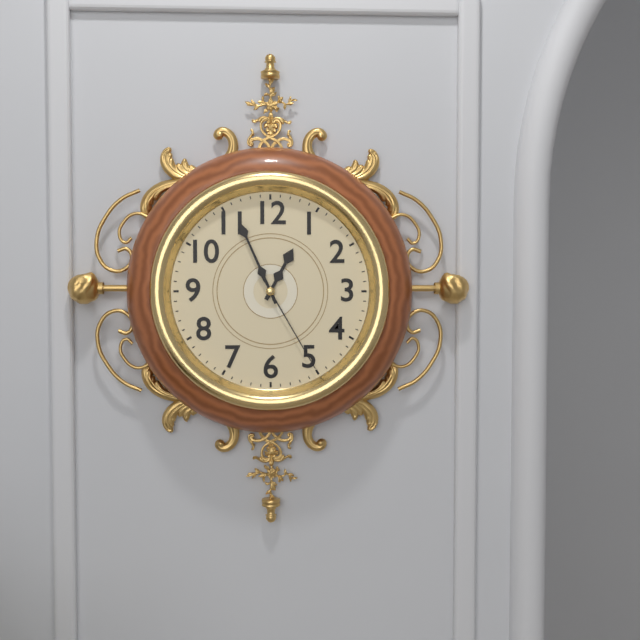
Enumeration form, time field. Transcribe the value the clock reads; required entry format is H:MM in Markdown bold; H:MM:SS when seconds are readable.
**12:56:25**
